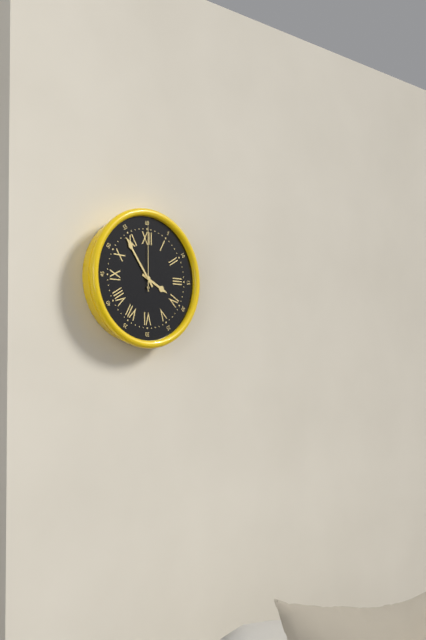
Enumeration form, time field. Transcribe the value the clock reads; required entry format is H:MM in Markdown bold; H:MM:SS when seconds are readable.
**3:54:00**
